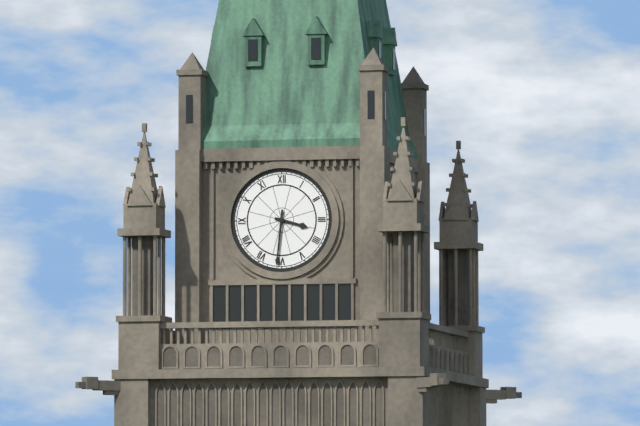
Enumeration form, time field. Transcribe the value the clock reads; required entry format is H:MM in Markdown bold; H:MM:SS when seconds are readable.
**3:31**
